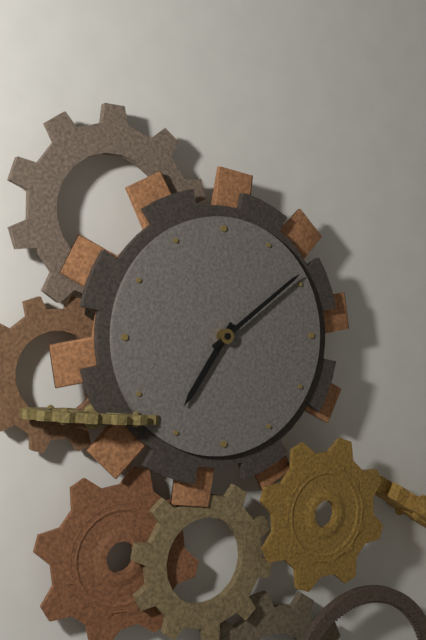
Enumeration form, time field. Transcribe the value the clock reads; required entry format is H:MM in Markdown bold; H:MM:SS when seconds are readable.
**7:09**
